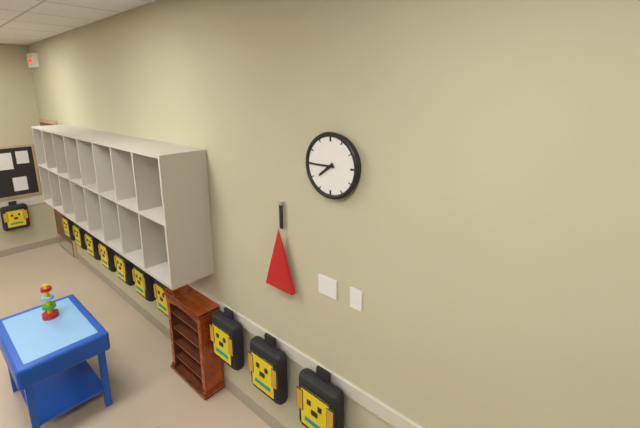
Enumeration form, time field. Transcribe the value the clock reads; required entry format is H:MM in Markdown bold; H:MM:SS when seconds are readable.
**7:45**
